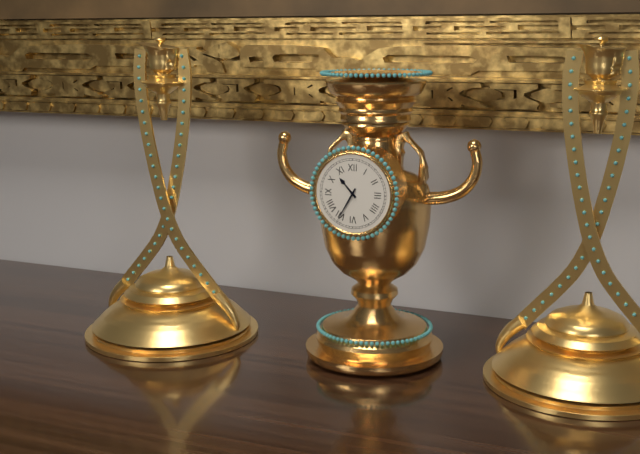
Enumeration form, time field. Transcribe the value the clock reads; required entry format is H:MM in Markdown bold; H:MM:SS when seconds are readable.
**10:35**
